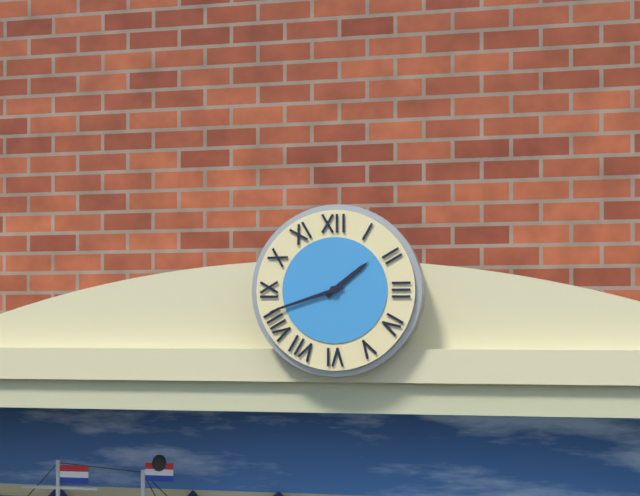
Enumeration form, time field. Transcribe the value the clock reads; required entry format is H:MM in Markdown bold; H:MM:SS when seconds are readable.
**1:42**
